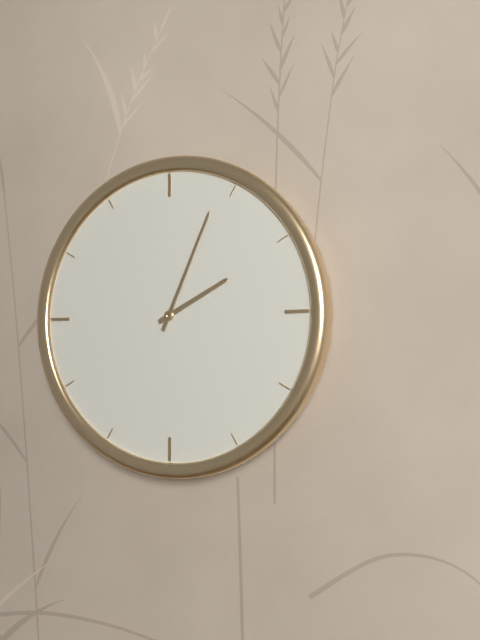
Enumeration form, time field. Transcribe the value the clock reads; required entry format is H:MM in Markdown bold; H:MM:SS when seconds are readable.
**2:04**
